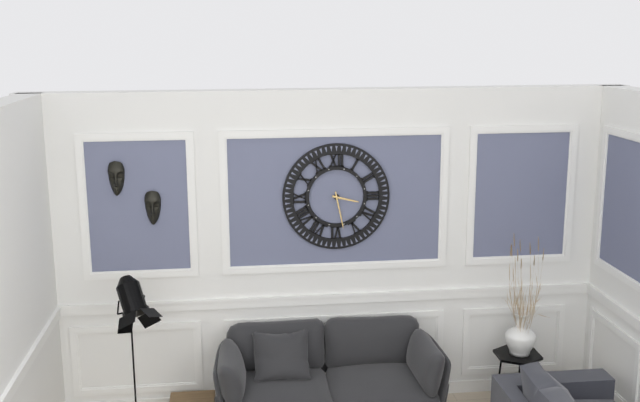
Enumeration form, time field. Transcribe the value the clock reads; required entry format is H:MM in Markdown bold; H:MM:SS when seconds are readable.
**3:28**
